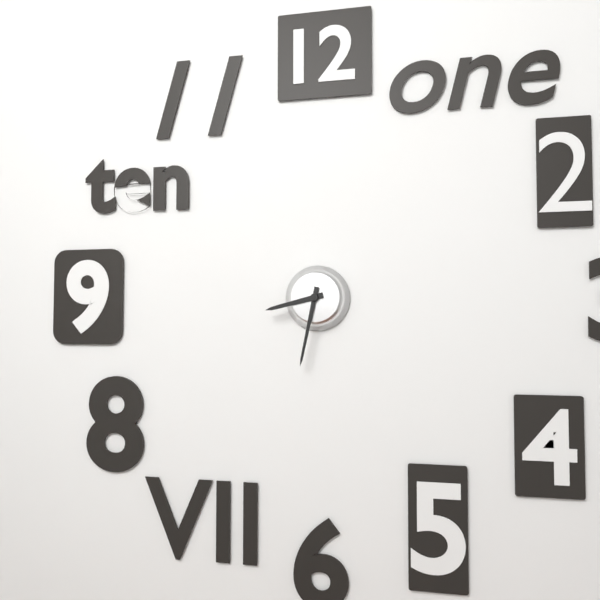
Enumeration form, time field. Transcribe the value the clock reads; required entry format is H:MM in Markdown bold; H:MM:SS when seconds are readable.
**8:32**
